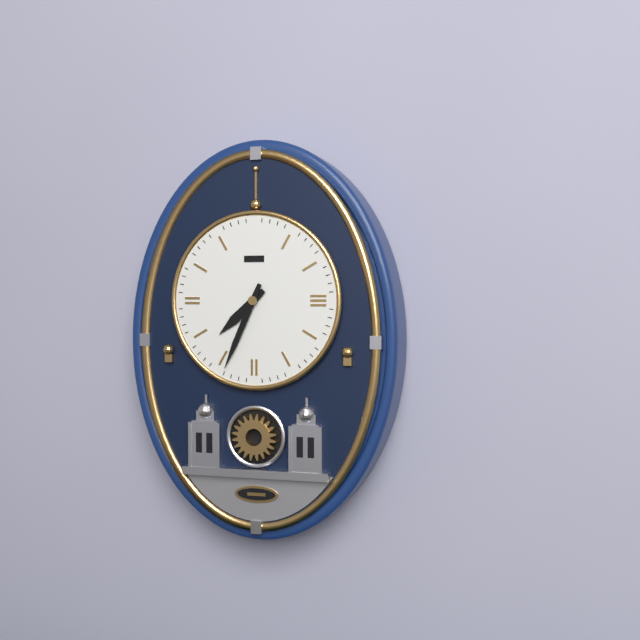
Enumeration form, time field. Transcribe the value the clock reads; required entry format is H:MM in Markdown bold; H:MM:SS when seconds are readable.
**7:34**
